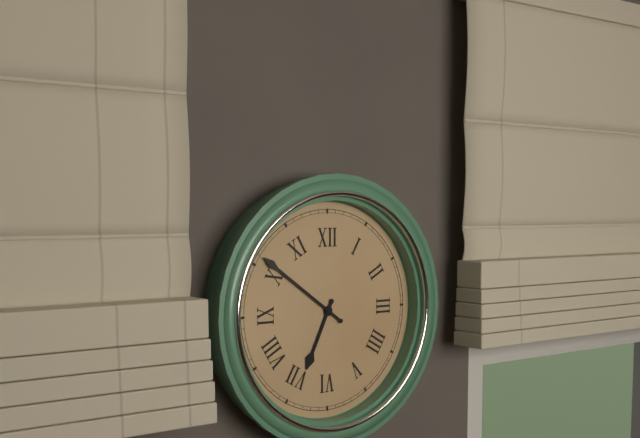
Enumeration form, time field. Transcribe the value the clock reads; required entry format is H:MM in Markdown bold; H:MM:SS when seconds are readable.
**6:51**
